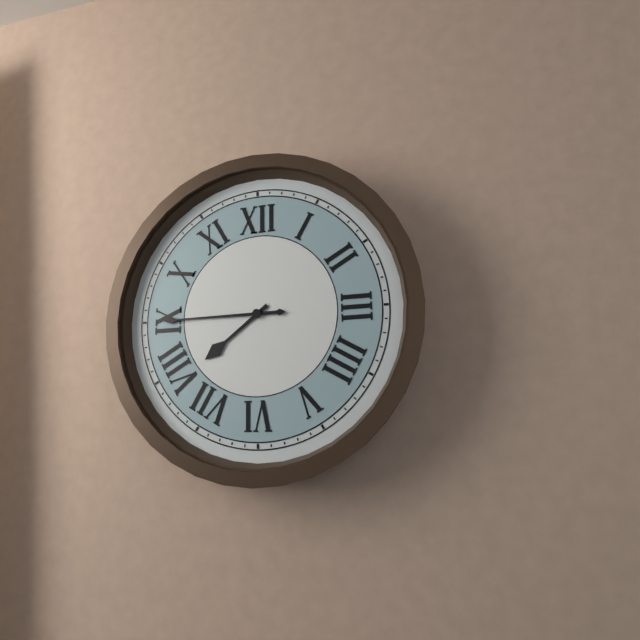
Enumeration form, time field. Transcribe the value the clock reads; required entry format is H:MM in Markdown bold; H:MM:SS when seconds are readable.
**7:45**
